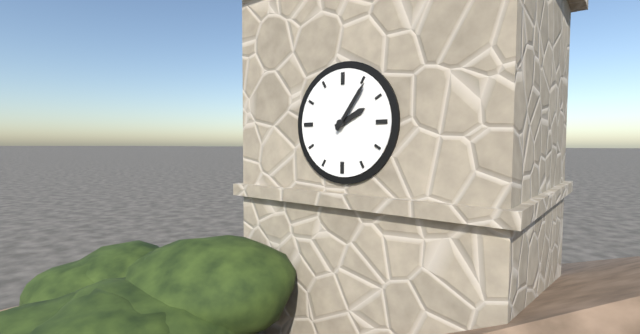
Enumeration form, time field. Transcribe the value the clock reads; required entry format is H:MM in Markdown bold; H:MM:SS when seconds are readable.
**2:06**
